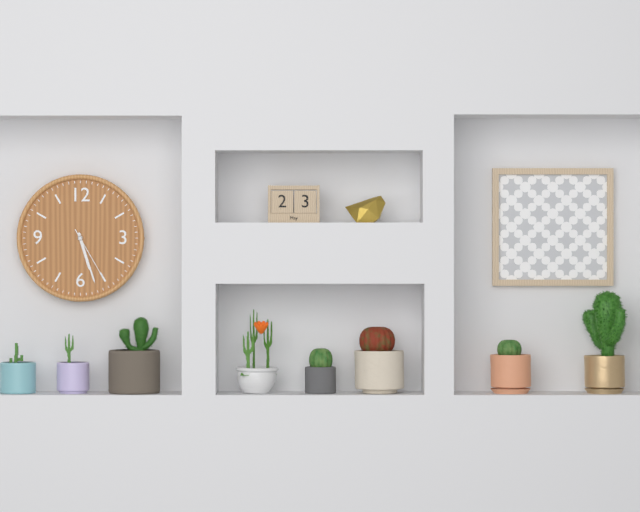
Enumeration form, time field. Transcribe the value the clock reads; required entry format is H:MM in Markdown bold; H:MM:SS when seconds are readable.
**5:27:25**
